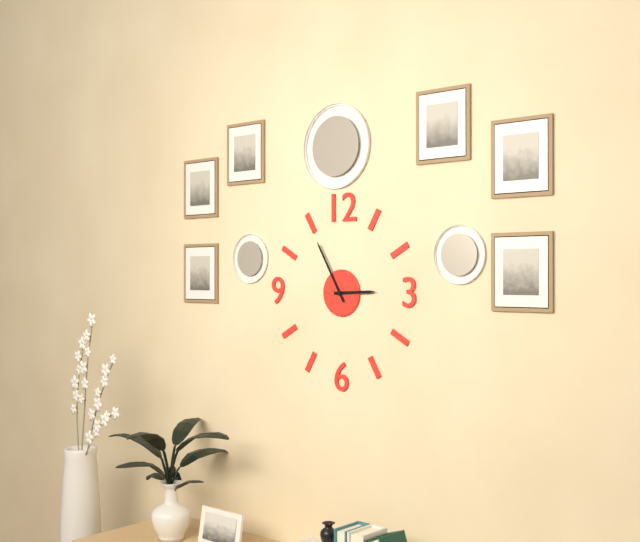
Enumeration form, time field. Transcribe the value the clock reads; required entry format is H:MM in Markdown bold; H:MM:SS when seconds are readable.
**2:55**
